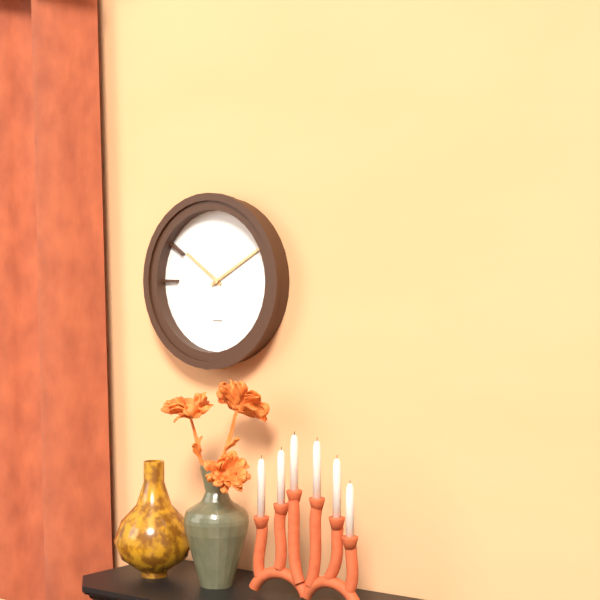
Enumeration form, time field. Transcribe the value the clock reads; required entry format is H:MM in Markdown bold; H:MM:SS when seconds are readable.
**10:10**
